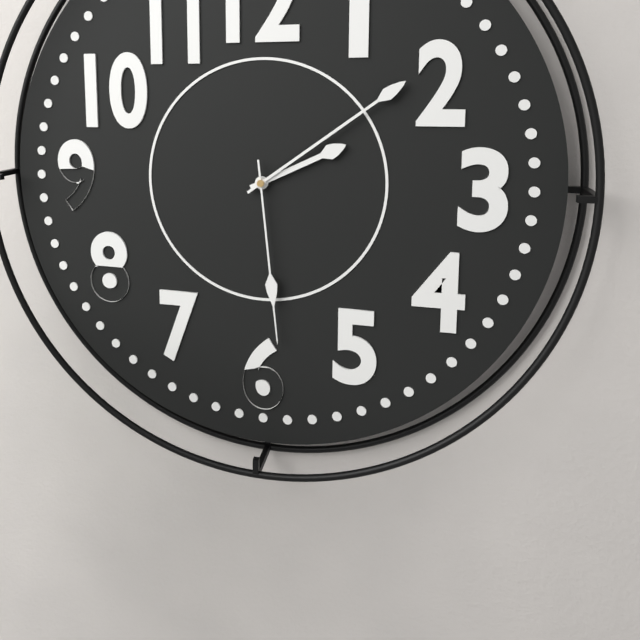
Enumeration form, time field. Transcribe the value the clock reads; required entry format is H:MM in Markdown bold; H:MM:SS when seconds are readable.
**2:09:29**
